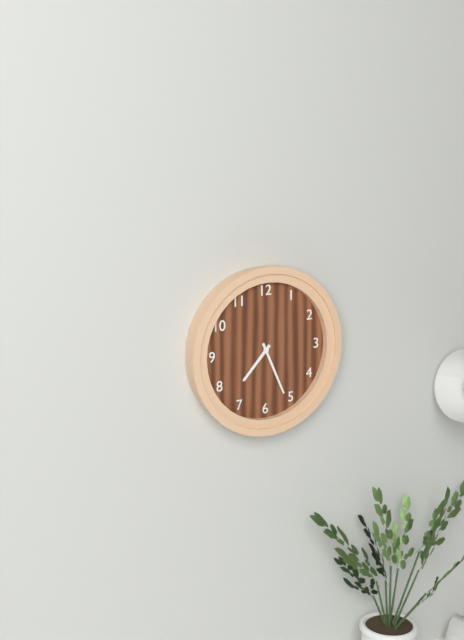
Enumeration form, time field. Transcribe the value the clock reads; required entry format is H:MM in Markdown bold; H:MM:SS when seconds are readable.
**7:26**
